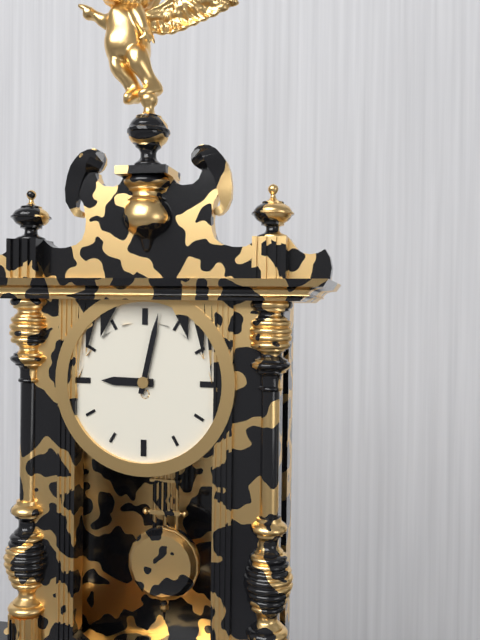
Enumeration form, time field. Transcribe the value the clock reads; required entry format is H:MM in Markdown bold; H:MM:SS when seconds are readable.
**9:02**
